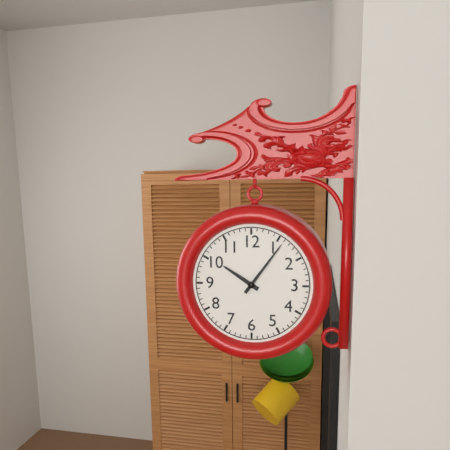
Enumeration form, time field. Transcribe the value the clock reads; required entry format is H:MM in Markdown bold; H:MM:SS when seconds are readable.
**10:06**
